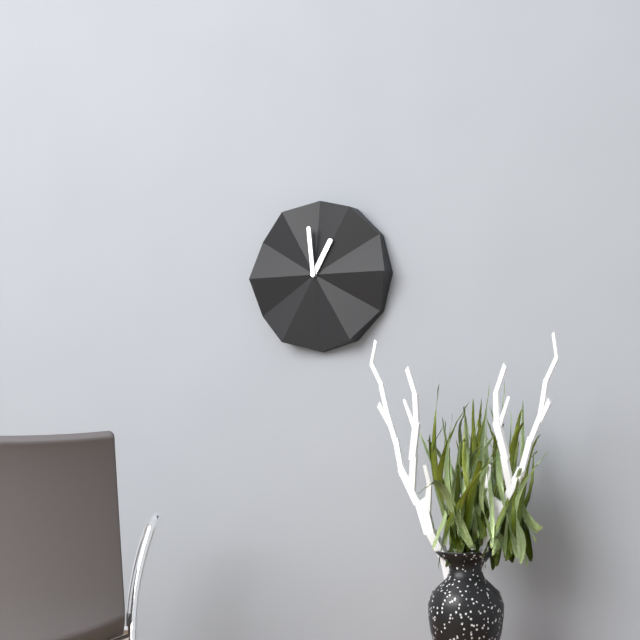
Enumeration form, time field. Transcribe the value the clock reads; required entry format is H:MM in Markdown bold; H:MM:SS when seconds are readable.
**12:59**
